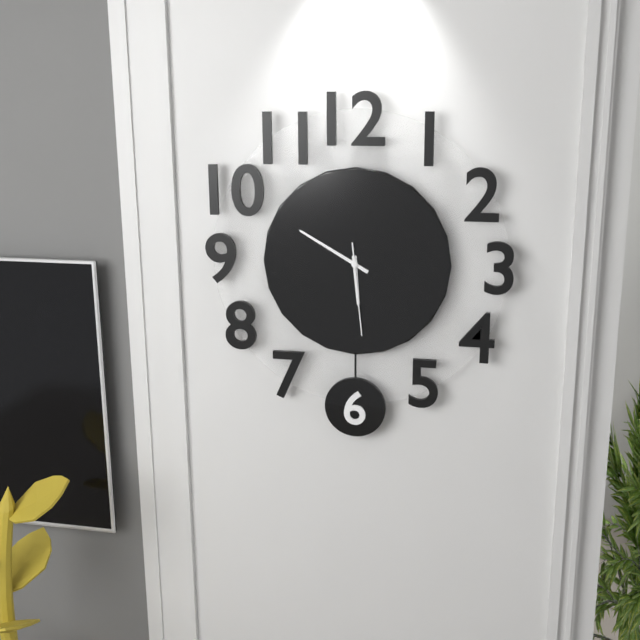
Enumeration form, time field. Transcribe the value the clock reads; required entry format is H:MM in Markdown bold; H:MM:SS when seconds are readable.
**5:50:29**
